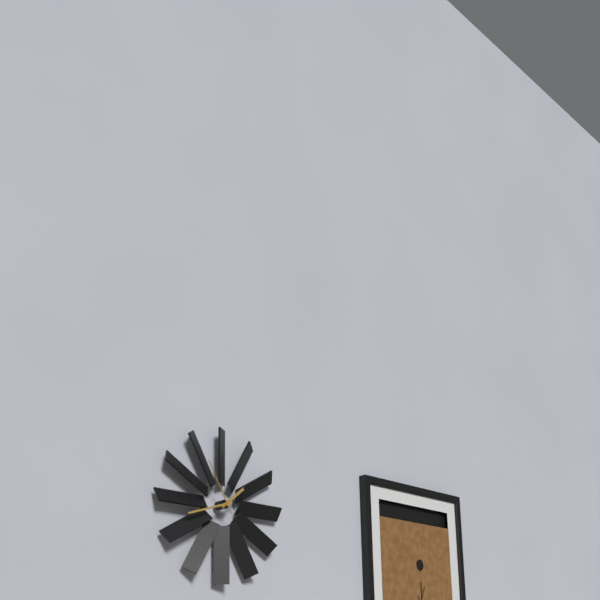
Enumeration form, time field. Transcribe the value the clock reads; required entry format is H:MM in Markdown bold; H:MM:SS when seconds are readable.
**1:42:55**
